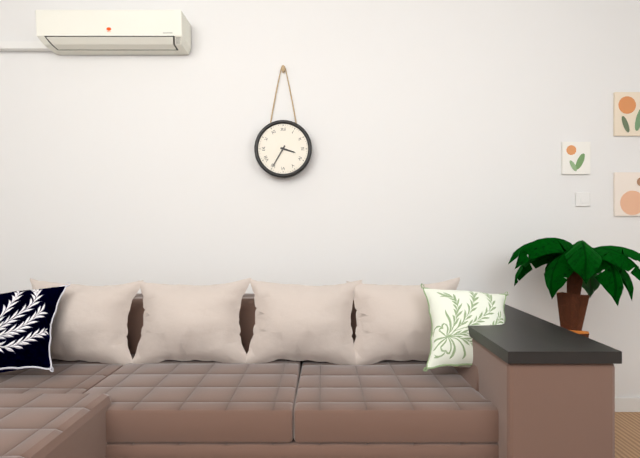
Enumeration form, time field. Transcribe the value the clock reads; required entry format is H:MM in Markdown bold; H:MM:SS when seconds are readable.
**3:35**
